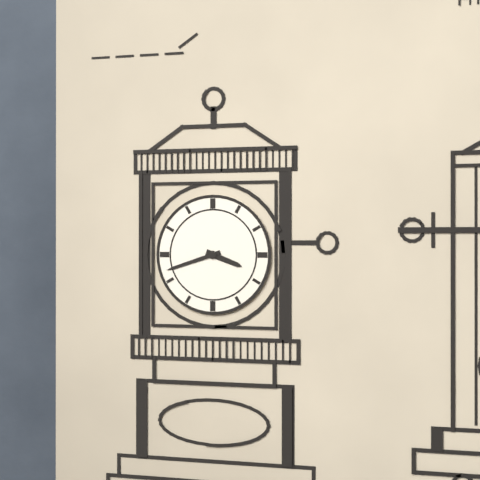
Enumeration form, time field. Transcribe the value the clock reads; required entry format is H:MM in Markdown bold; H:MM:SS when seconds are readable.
**3:42**
